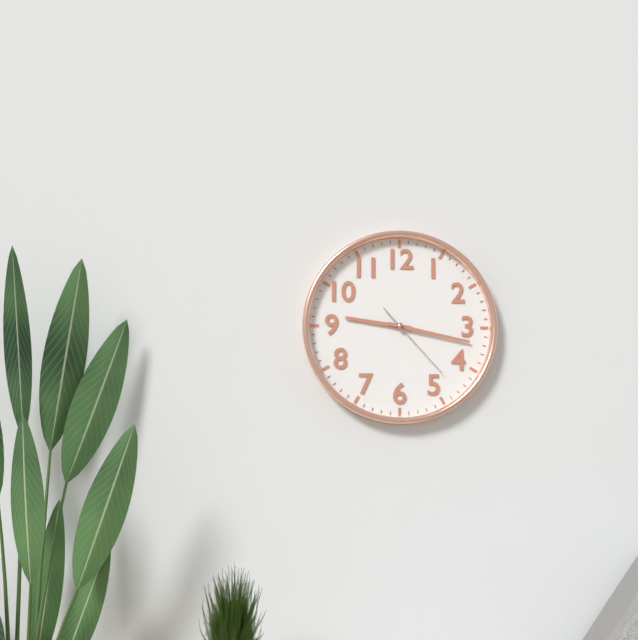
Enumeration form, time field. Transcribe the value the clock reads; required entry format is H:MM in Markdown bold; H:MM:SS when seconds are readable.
**9:17:23**
